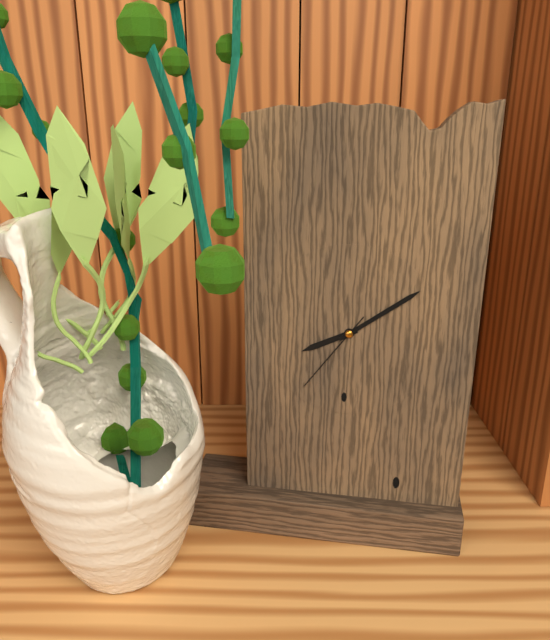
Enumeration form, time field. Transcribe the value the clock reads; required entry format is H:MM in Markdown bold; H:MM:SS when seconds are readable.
**8:09:36**
